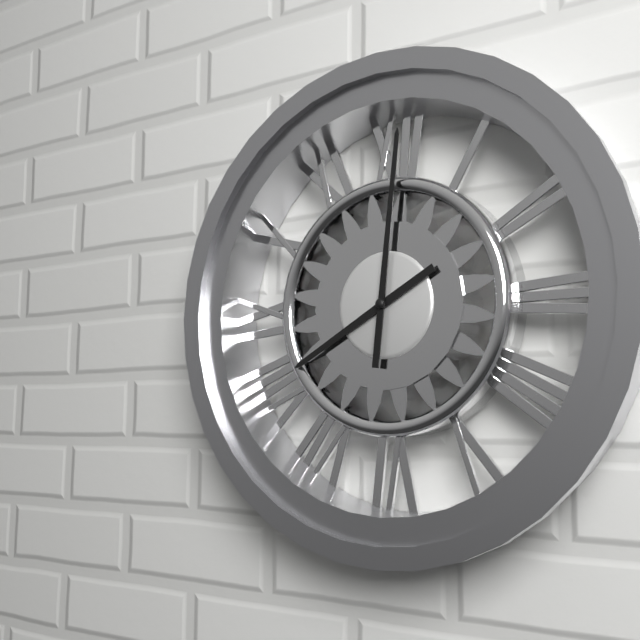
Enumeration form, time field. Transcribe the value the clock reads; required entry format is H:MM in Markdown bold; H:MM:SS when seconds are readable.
**8:01**
